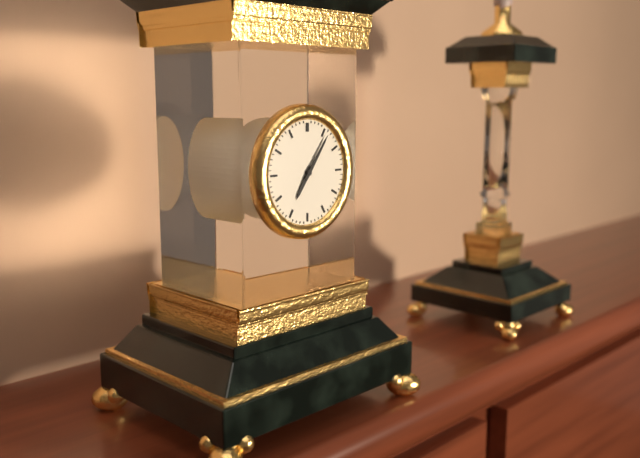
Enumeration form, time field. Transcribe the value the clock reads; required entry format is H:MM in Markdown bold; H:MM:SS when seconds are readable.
**7:06**
